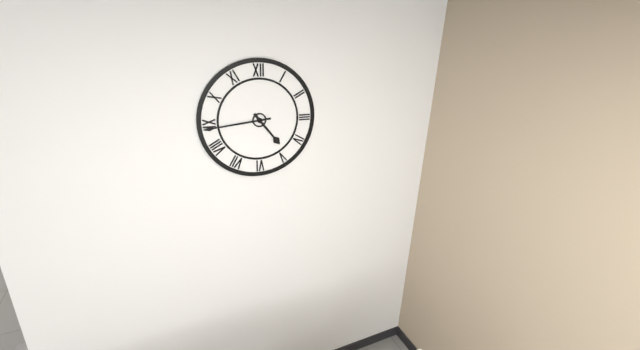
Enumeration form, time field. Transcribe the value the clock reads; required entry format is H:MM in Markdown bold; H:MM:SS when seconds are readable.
**4:44**
